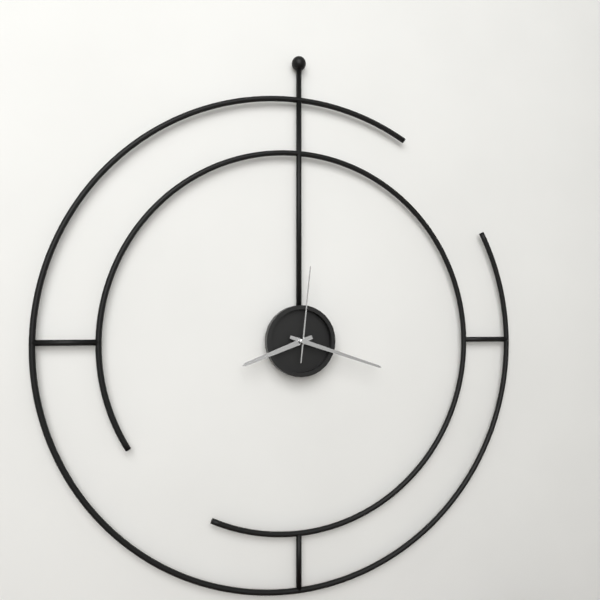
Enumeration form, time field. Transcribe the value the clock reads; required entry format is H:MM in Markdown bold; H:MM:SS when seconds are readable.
**8:18:01**
